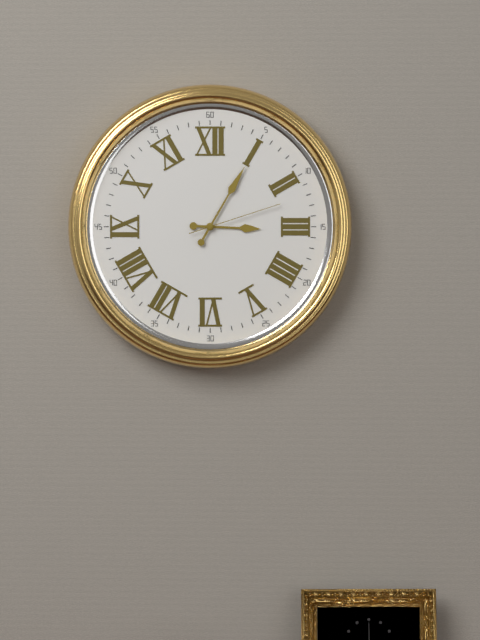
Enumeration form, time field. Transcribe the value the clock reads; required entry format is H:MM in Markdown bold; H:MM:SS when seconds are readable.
**3:05:12**
